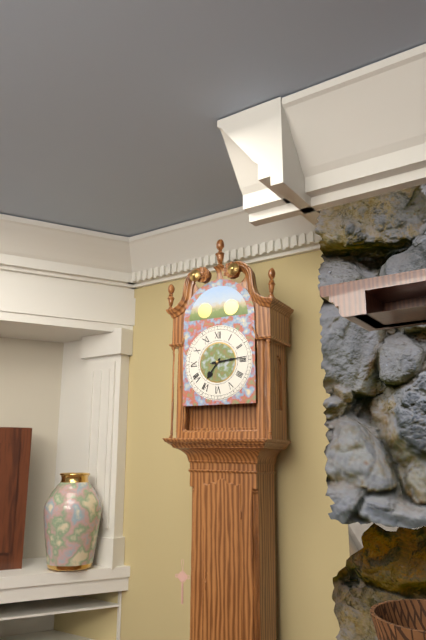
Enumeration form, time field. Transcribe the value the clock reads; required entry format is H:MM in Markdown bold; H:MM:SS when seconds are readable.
**7:14**
